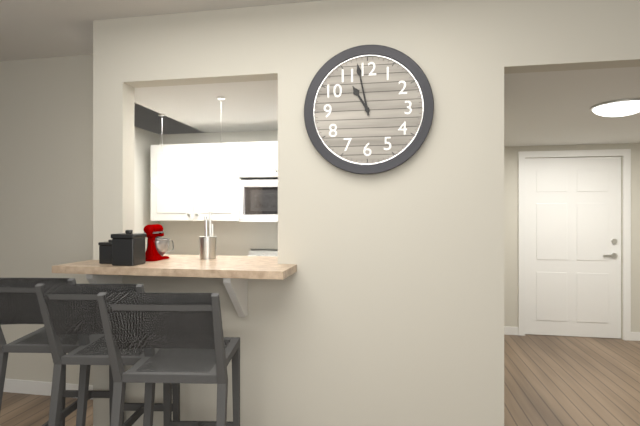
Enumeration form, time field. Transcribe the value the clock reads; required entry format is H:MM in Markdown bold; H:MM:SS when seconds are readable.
**10:58**
